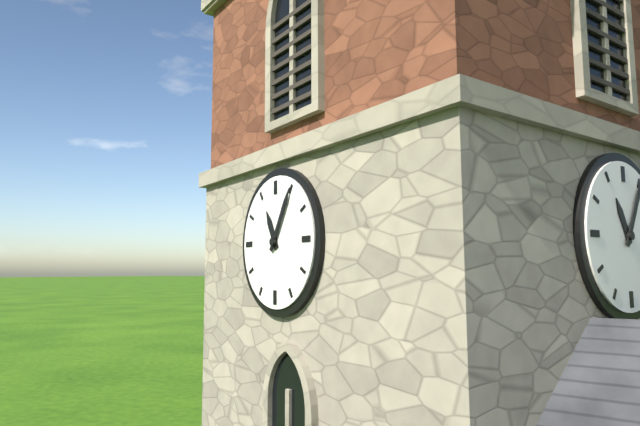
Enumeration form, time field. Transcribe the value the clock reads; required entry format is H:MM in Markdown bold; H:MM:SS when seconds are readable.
**11:05**
